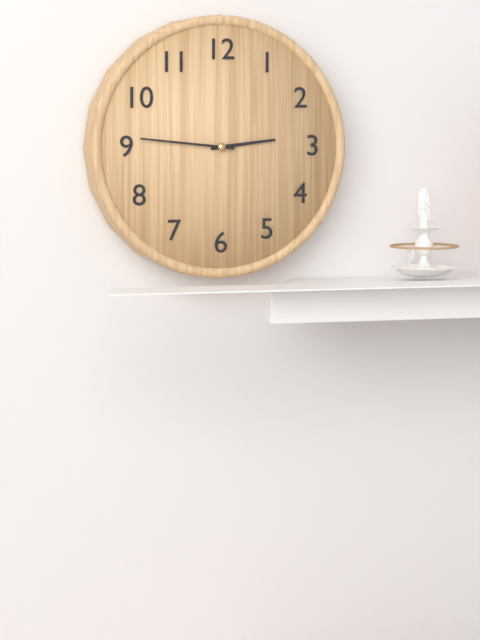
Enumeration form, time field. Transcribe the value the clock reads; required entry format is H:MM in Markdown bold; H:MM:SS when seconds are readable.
**2:46**
